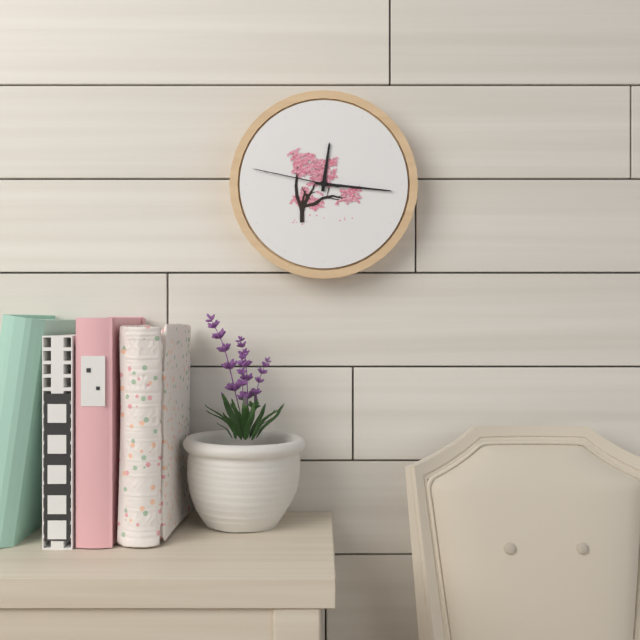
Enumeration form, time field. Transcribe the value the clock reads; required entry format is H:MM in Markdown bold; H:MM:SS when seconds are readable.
**12:16:47**
